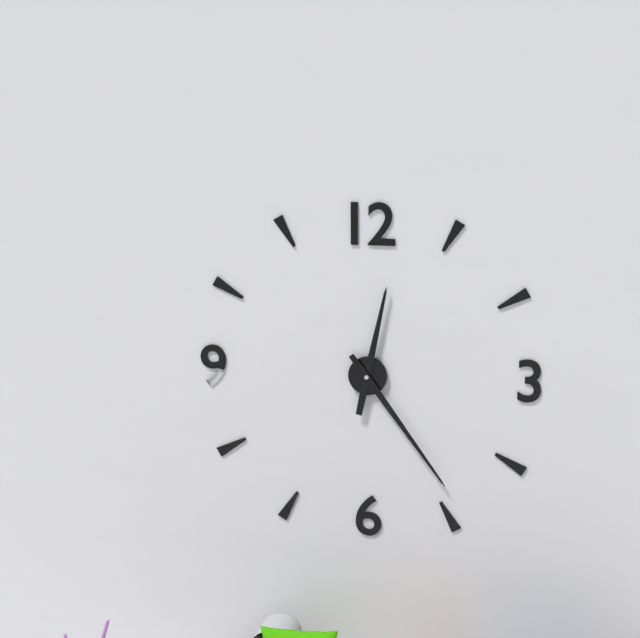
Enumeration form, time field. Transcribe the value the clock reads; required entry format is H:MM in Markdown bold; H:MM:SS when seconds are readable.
**12:24**
